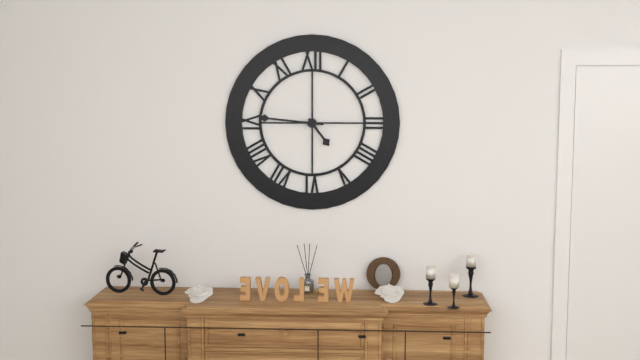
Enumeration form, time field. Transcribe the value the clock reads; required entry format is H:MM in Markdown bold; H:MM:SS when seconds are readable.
**4:46**
